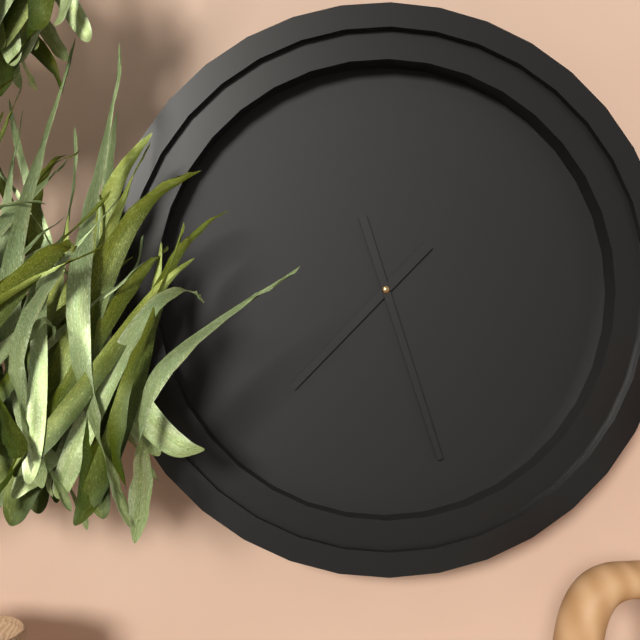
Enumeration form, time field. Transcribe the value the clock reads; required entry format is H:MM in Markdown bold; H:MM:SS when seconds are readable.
**7:27**
